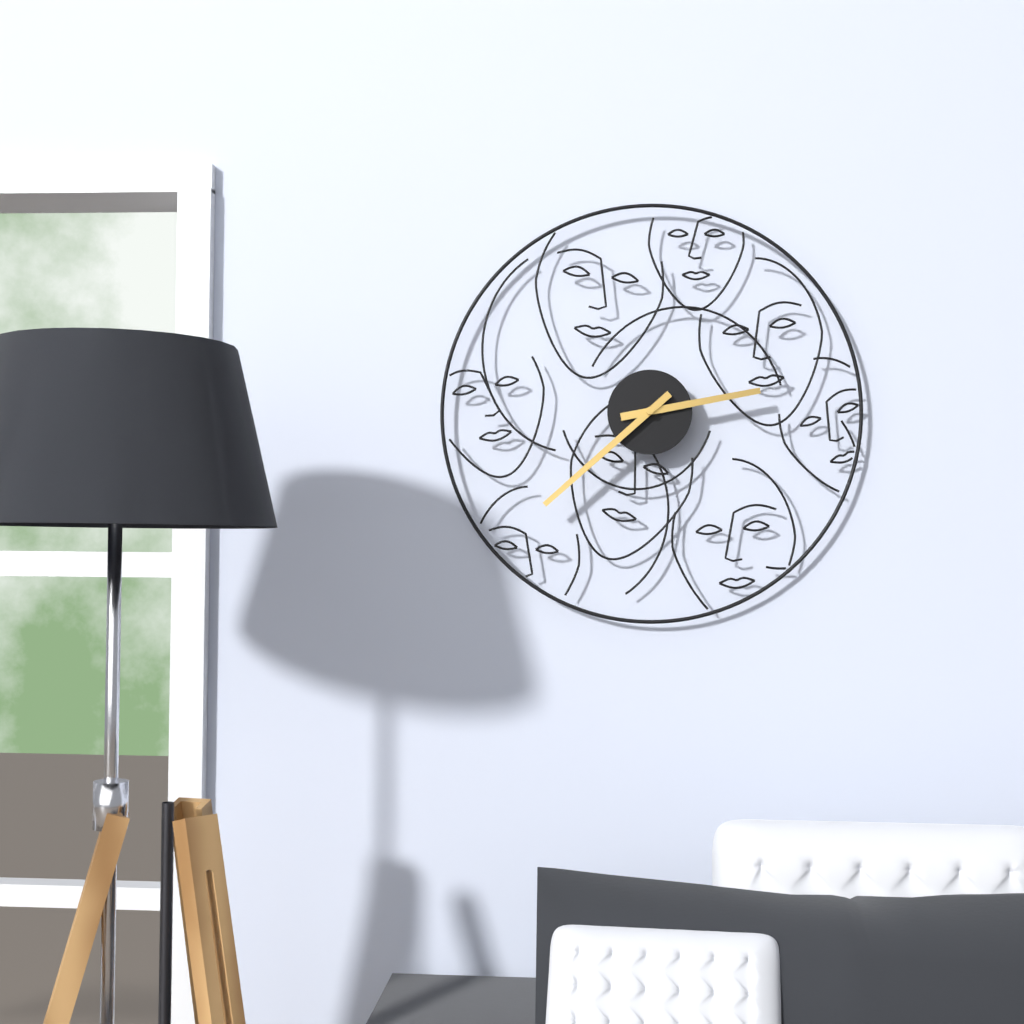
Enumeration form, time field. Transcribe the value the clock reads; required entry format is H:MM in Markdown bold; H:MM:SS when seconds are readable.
**2:38**
